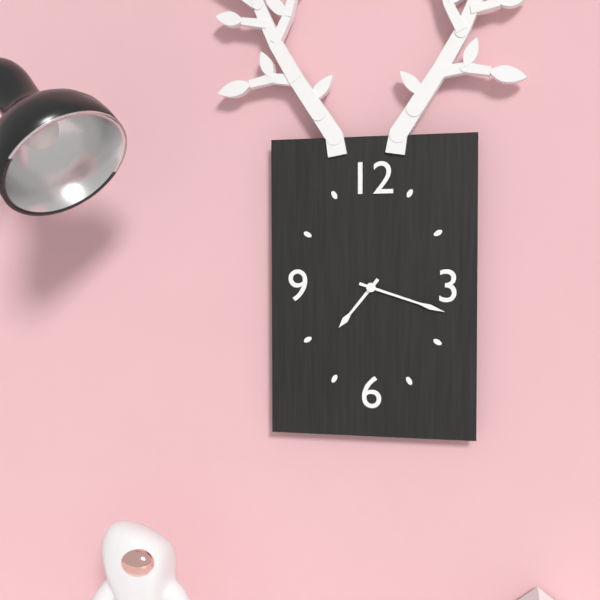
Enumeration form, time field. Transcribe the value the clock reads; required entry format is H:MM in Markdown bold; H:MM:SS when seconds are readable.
**7:18**
